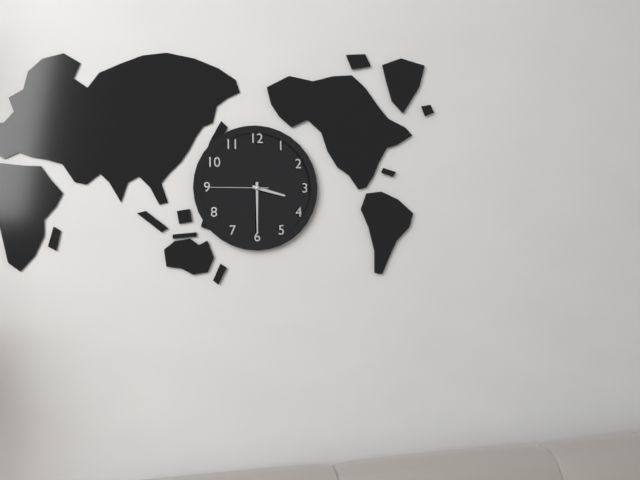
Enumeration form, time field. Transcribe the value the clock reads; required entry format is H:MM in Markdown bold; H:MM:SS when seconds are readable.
**3:30:45**
